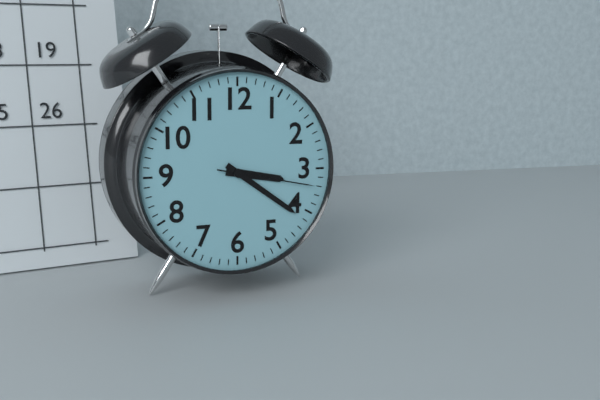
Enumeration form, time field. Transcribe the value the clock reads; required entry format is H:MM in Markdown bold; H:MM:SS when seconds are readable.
**3:21:17**
